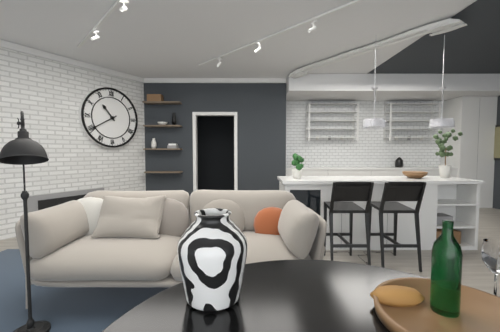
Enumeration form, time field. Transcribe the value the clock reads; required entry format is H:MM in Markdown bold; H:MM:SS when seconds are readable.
**10:40**
